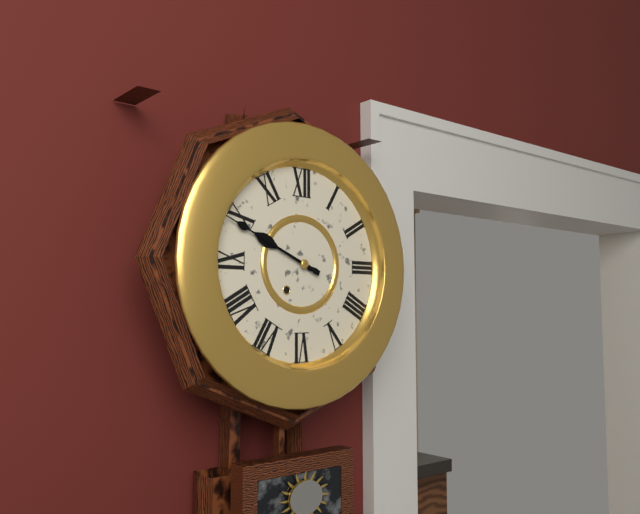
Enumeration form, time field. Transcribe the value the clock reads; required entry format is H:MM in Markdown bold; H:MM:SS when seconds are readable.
**9:49**
